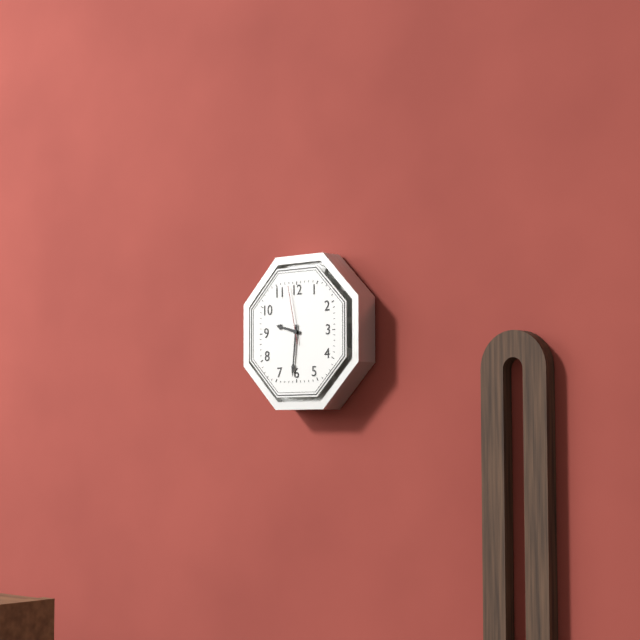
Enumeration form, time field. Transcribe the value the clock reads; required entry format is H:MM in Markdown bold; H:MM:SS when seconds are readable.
**9:31:58**
